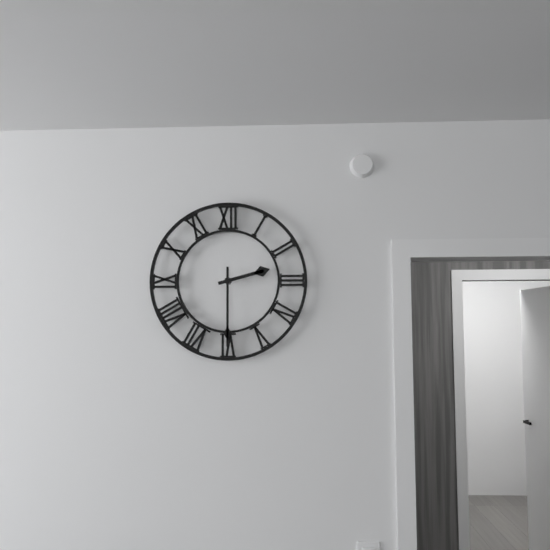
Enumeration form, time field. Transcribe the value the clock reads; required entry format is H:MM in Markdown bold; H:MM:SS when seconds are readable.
**2:30**
